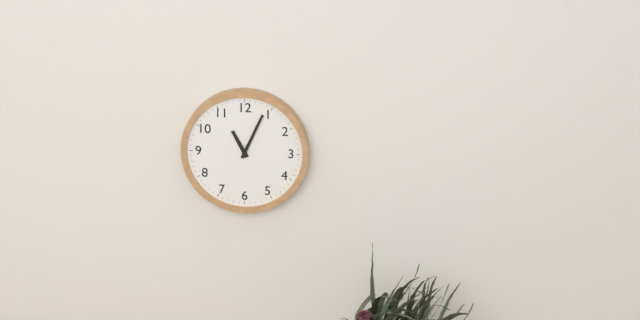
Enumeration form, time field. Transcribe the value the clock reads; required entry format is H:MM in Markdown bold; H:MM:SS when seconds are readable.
**11:04**
